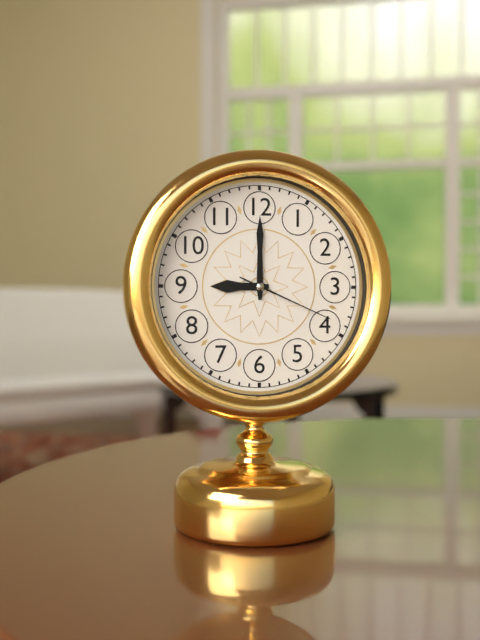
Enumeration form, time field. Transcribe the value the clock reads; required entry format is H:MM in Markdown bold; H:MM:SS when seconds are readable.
**9:00:19**
